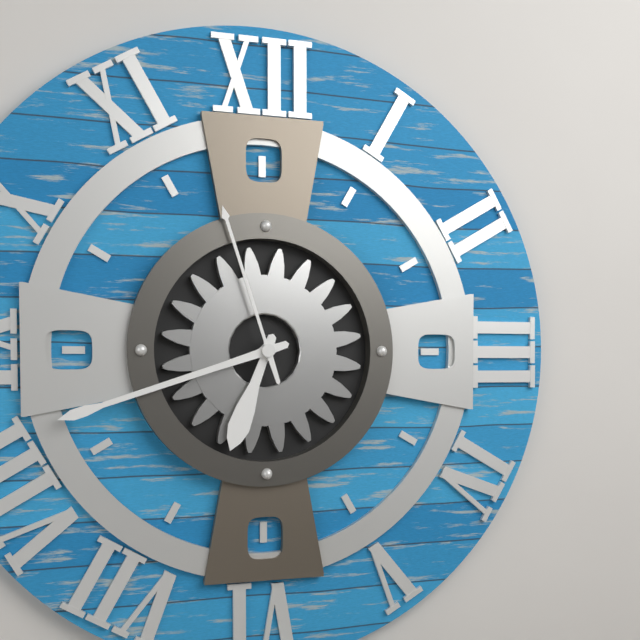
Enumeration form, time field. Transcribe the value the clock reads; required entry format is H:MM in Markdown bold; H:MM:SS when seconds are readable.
**6:42:57**
